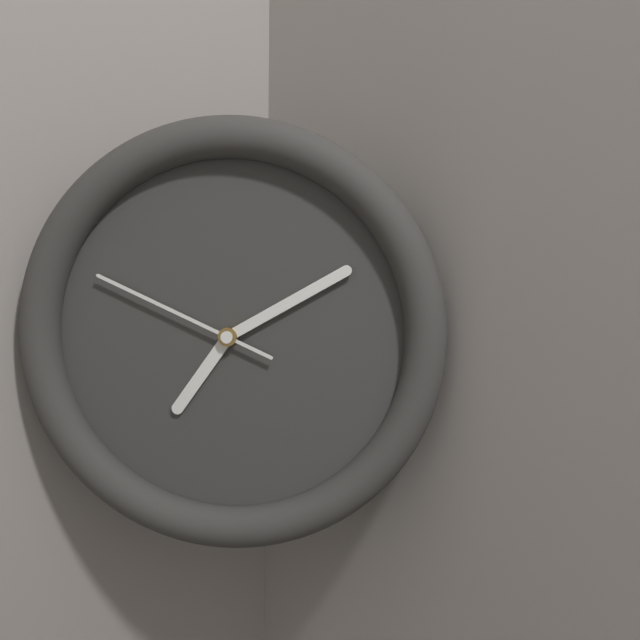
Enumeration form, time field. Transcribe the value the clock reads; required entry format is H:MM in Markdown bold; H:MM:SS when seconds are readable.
**7:10:49**
